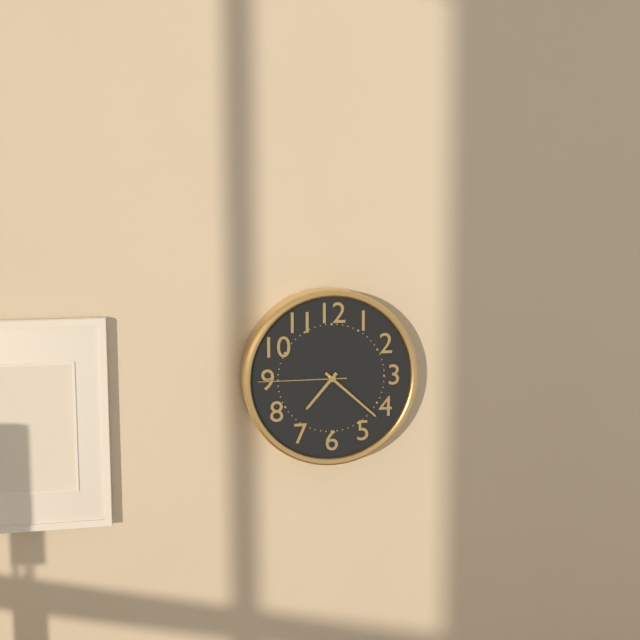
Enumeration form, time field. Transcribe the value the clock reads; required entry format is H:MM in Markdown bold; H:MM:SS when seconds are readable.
**7:22:45**
